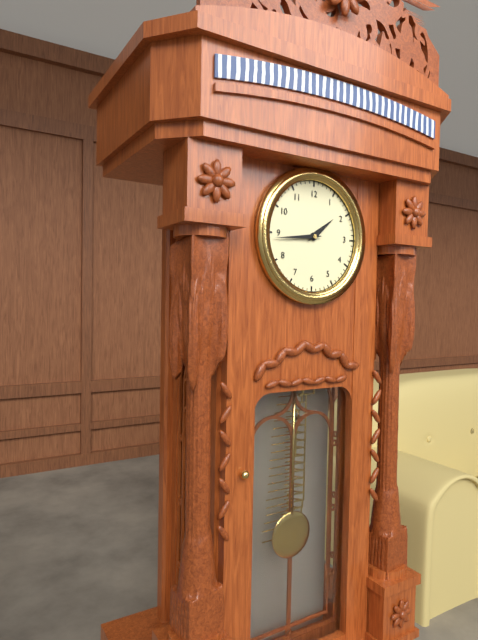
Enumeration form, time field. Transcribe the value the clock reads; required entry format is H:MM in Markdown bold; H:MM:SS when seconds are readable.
**1:44**
